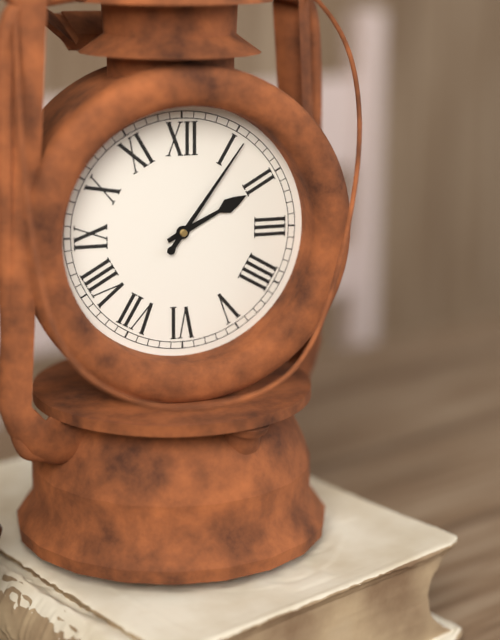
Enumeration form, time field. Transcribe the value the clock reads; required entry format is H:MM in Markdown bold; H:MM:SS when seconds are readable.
**2:06**
